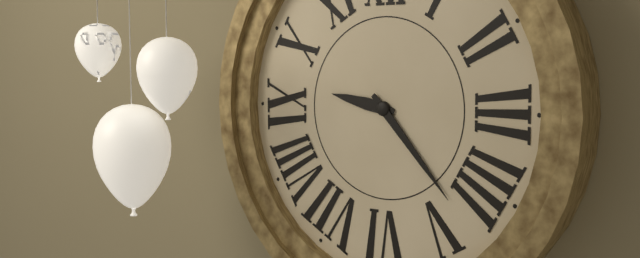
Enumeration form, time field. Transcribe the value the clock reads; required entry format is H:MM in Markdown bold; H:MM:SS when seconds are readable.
**9:23**
